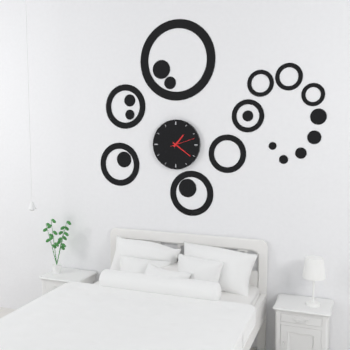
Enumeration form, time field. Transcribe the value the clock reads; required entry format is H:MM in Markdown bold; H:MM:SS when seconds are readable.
**1:21**
